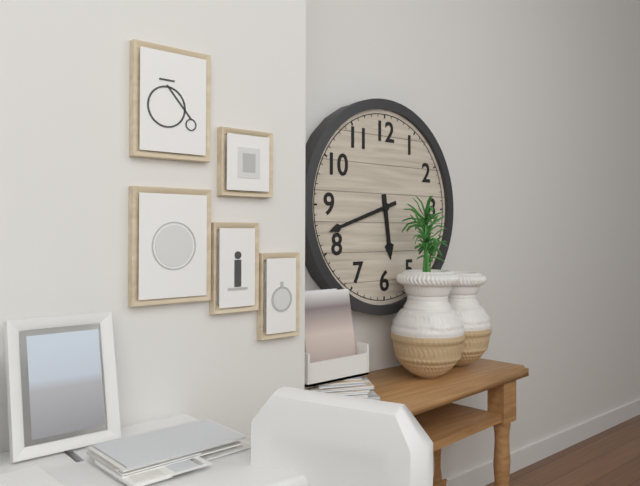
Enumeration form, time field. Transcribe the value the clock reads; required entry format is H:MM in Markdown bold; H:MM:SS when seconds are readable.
**5:42**
